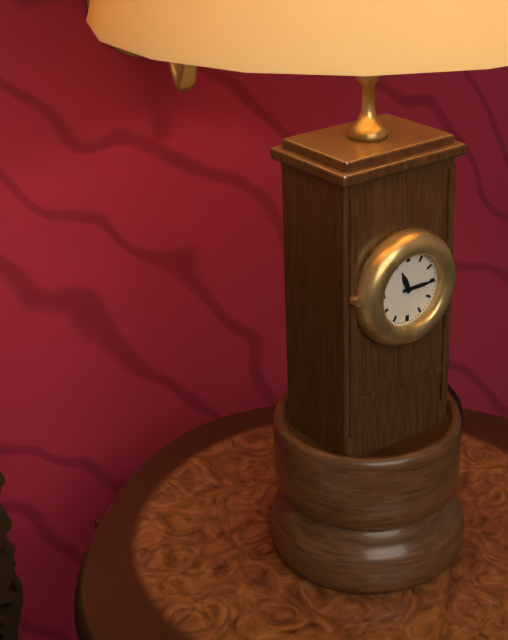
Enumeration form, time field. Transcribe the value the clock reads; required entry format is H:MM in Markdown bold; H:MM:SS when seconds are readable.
**11:15**
